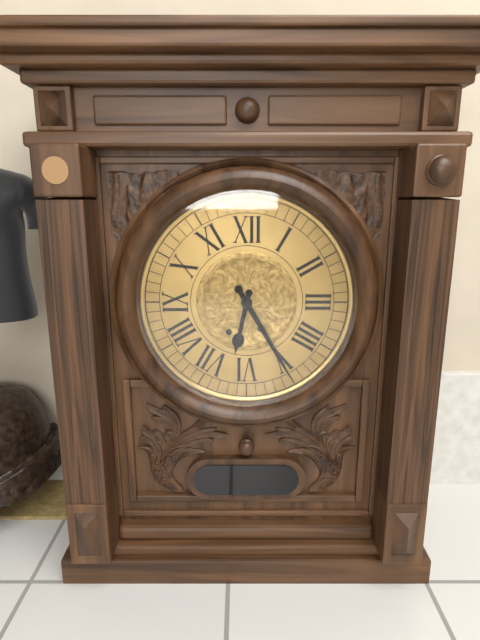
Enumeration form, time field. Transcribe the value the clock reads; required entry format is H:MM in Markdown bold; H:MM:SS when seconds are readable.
**6:25**
